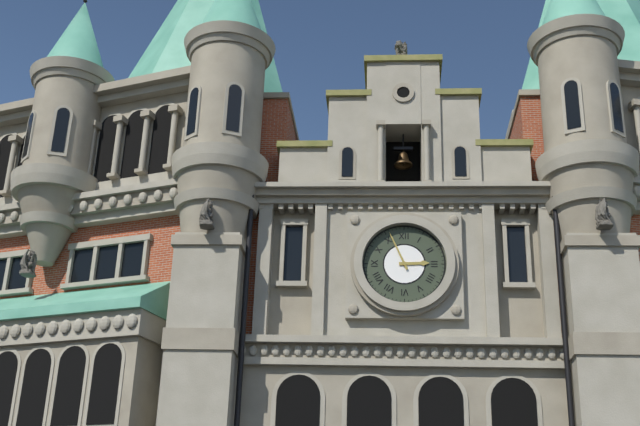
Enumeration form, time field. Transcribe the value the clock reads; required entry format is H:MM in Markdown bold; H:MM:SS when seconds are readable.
**2:56**
